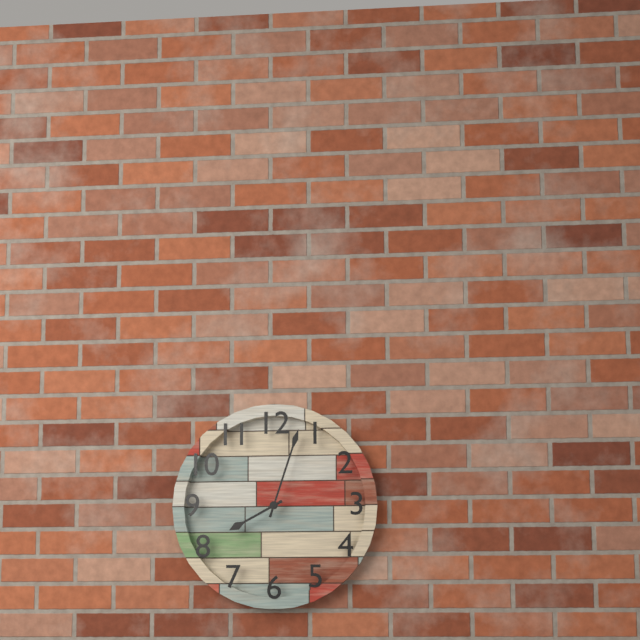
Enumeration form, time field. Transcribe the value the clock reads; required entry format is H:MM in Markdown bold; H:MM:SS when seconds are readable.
**8:03**
